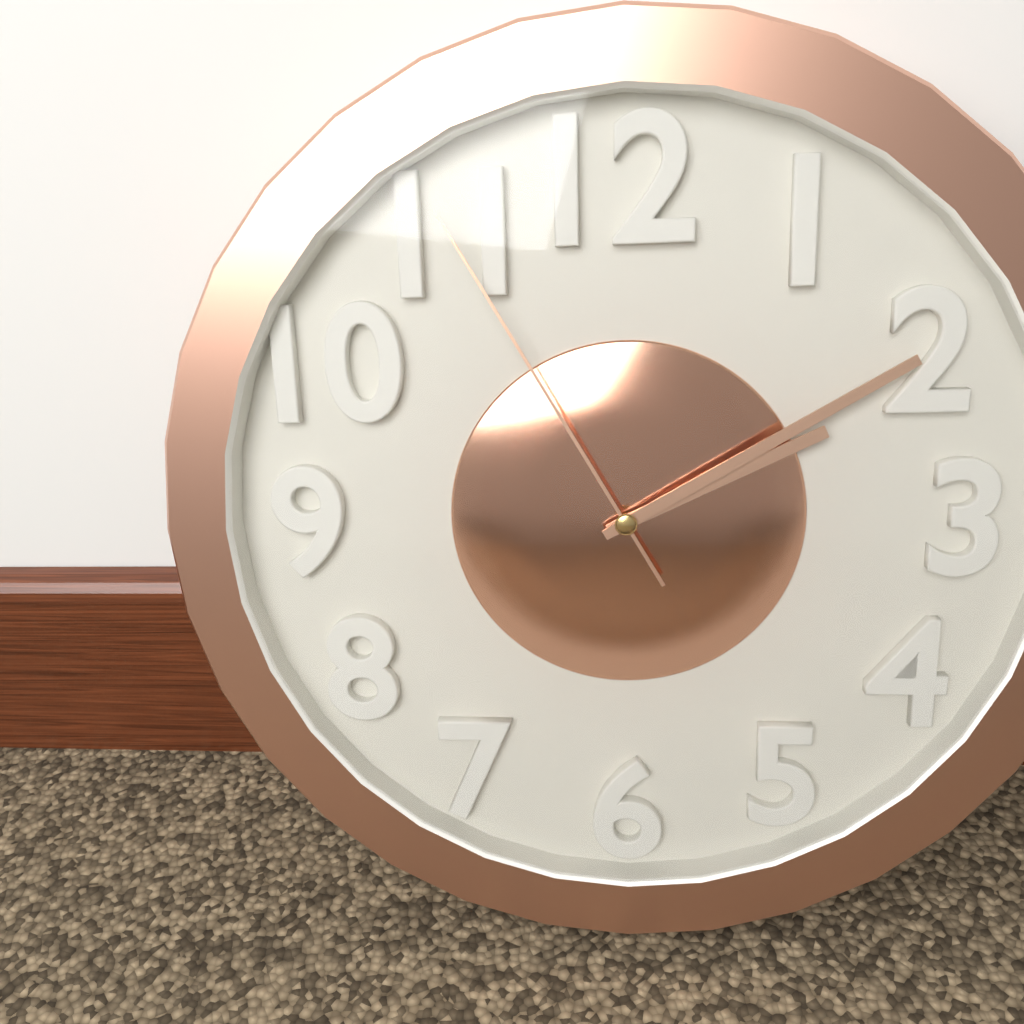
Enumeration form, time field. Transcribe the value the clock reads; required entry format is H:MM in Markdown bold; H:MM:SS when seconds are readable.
**2:10:55**
